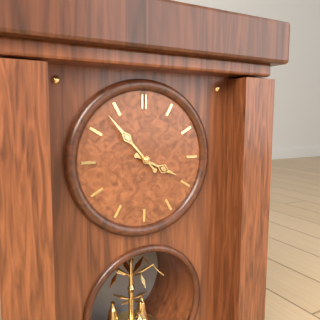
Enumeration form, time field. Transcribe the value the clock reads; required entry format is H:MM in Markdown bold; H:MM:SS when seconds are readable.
**3:53**
